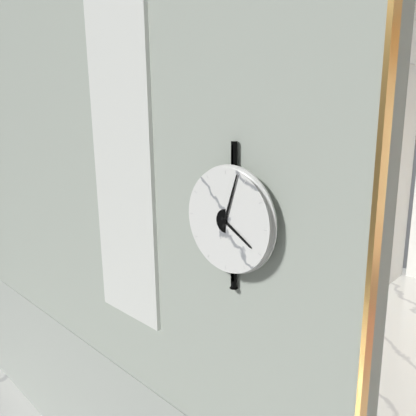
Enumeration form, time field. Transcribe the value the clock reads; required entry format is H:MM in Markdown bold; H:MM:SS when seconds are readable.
**4:03**
